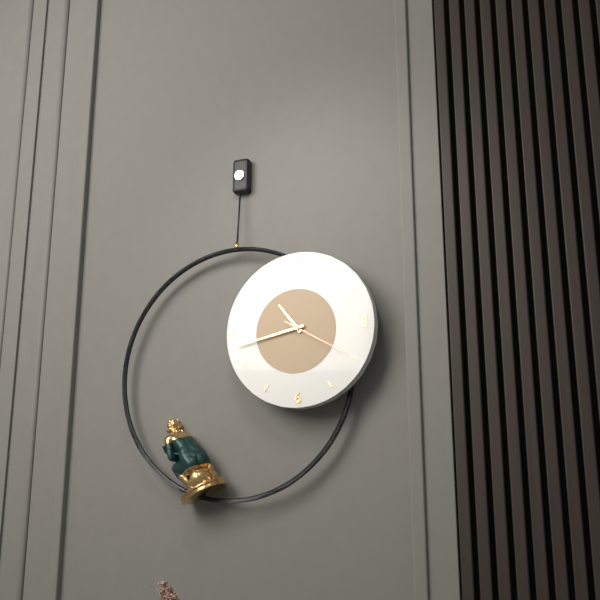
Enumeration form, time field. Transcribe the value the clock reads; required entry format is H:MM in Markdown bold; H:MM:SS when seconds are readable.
**10:43:20**
